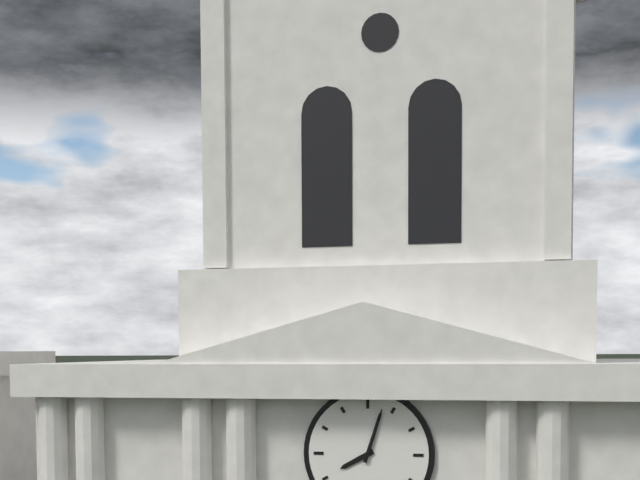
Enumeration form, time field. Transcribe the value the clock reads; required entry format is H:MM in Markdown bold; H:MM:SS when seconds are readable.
**8:03**
